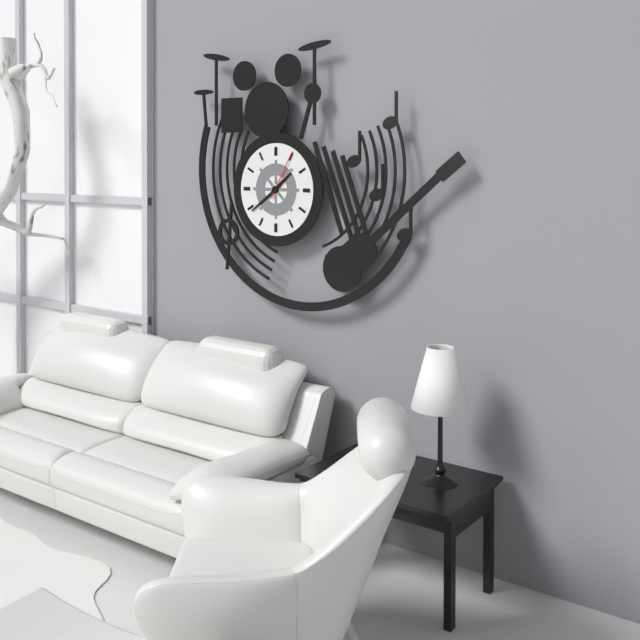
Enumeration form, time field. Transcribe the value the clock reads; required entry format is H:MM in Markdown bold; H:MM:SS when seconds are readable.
**1:39**
